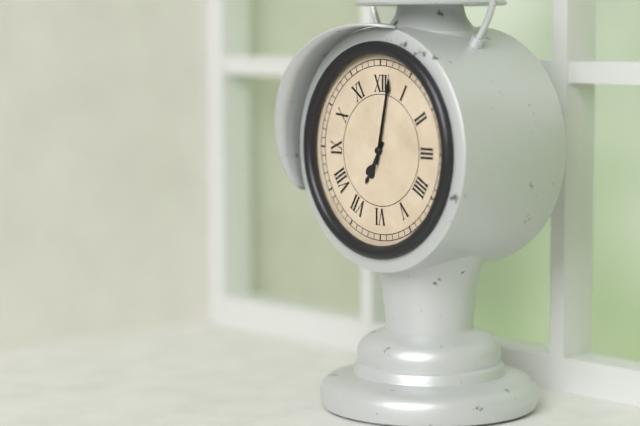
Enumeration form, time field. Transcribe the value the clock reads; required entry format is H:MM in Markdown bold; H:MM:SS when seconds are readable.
**7:02:02**
